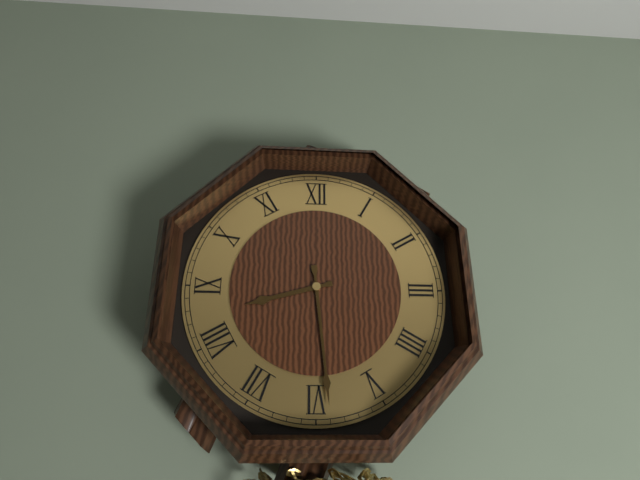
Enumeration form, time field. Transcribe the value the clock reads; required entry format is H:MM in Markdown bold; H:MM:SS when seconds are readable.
**8:29**
